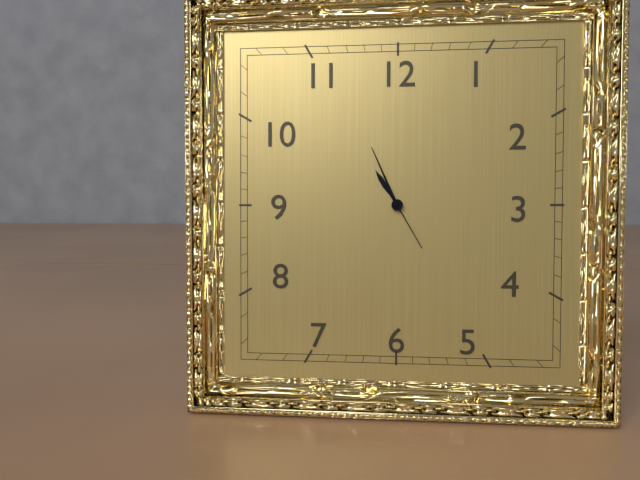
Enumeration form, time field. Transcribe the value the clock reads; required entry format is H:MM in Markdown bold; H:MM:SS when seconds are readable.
**10:56:25**
